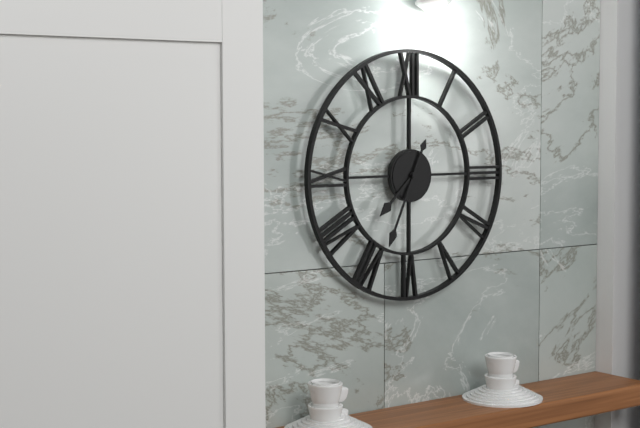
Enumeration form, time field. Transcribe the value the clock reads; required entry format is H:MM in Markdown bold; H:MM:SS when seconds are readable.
**7:34**
